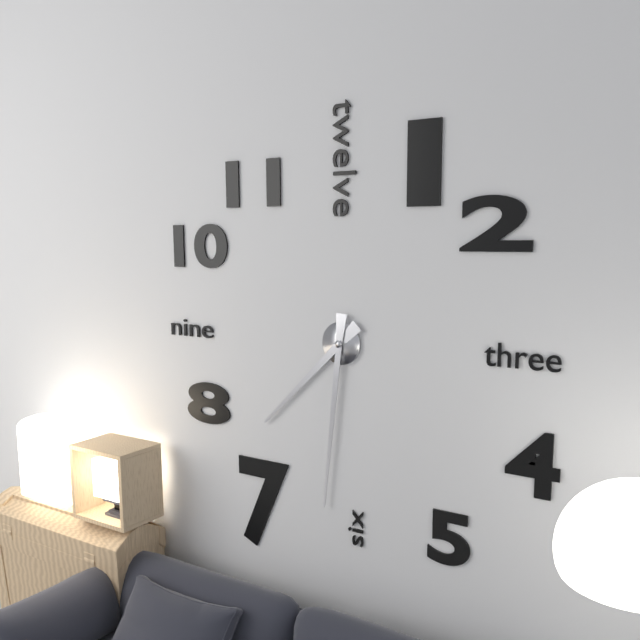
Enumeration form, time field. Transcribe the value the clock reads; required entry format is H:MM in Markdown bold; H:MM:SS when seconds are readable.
**7:31**
